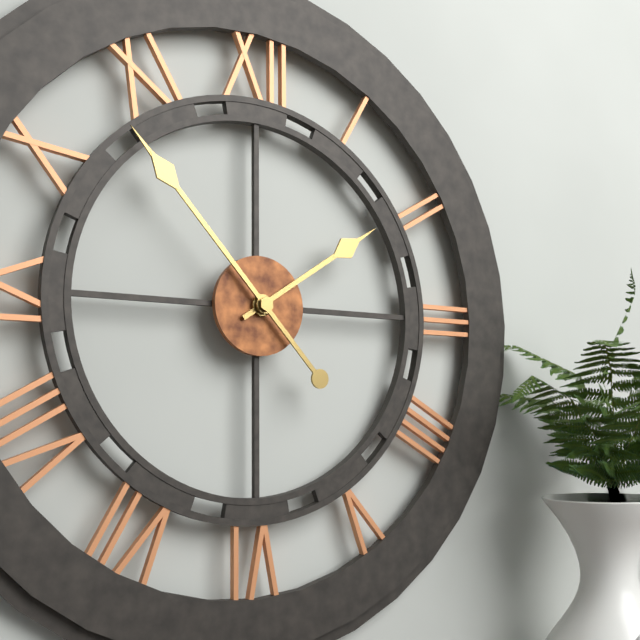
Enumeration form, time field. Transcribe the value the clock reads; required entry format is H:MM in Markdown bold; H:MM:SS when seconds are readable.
**1:53**
